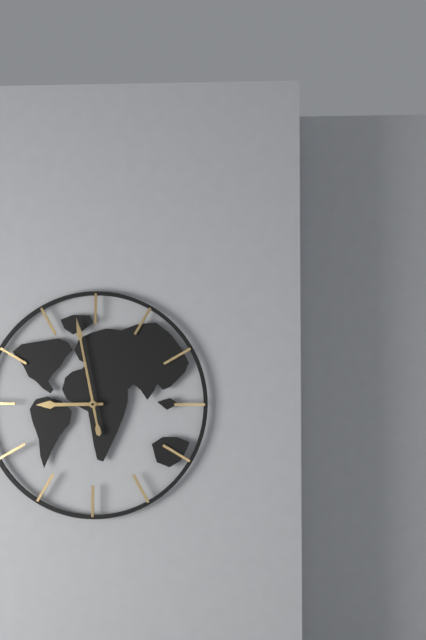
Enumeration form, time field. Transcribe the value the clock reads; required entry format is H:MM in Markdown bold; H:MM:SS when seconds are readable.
**8:58**
